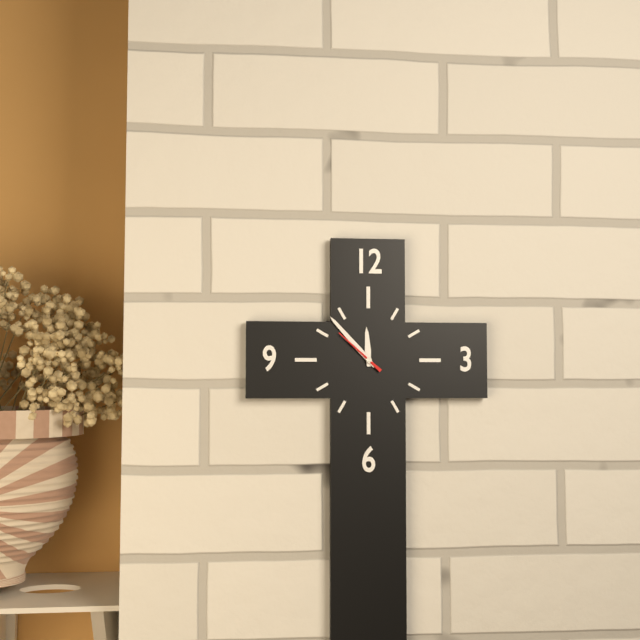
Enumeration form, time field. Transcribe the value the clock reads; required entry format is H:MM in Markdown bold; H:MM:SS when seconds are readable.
**11:53:52**
